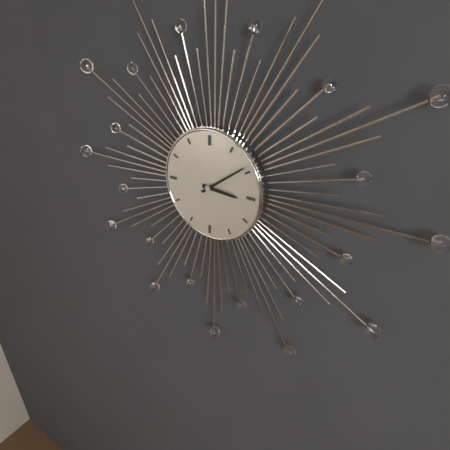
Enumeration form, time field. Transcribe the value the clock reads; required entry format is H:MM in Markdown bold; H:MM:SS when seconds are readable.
**3:09**
